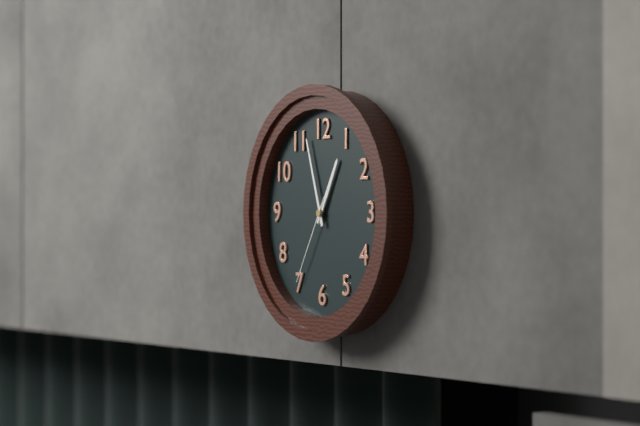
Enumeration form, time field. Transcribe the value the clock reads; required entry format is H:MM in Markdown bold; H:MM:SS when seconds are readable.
**12:57:35**
